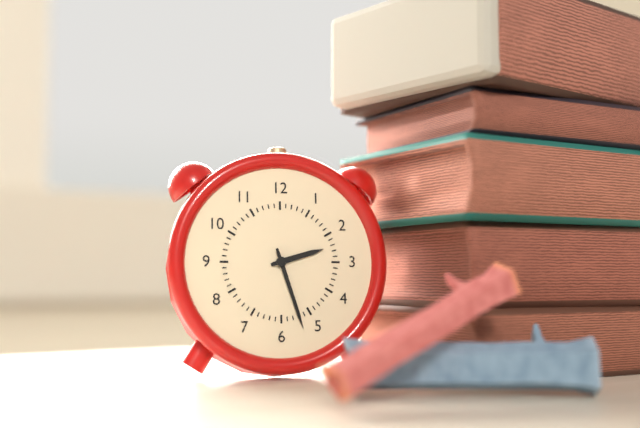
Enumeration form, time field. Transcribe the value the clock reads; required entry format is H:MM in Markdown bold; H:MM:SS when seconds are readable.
**2:27**
